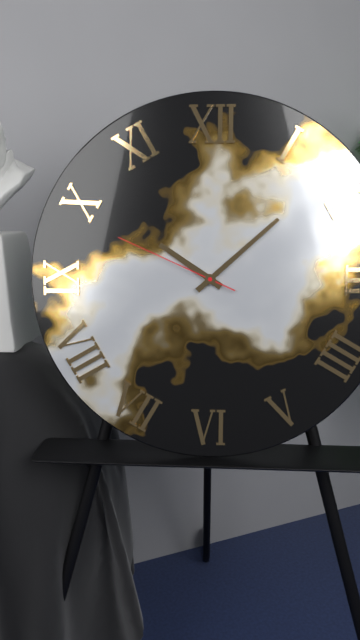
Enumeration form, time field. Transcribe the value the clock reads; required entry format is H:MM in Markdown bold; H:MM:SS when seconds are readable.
**10:08:49**
